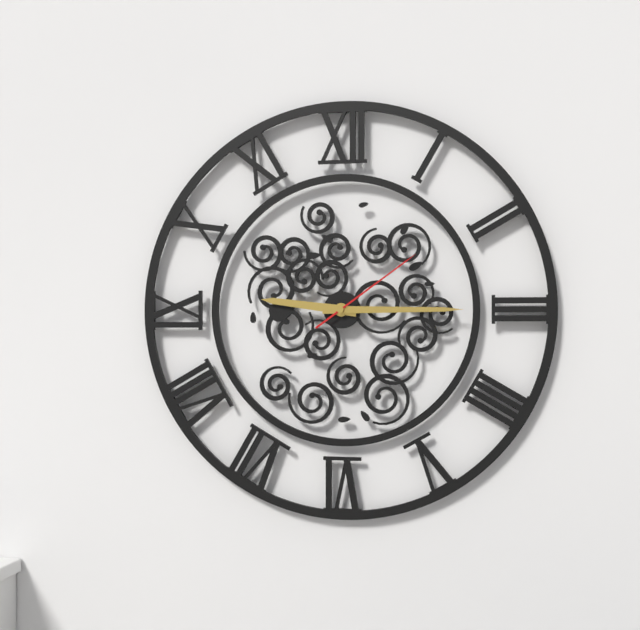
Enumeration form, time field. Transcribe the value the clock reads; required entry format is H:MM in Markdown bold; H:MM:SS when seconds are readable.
**9:15:09**
